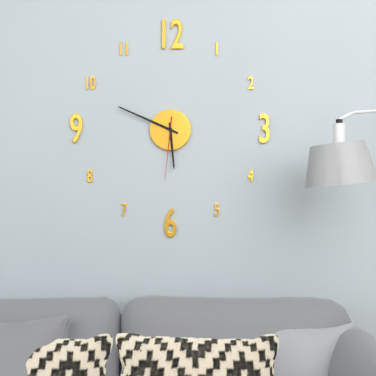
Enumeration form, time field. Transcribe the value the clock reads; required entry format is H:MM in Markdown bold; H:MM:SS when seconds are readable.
**5:49:31**
